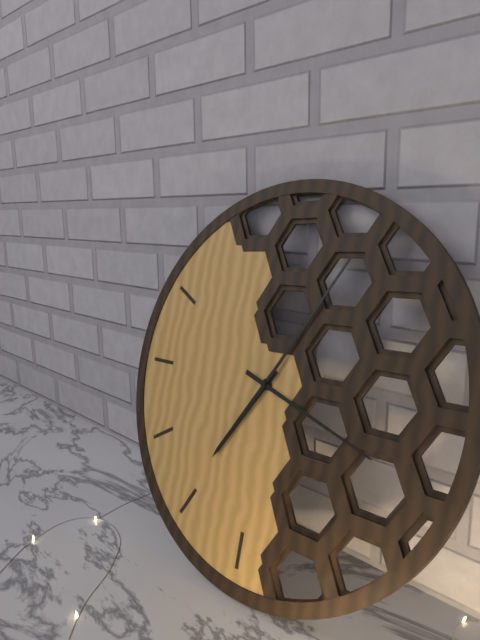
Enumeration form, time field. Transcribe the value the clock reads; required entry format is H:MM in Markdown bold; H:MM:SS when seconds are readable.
**7:05:18**
